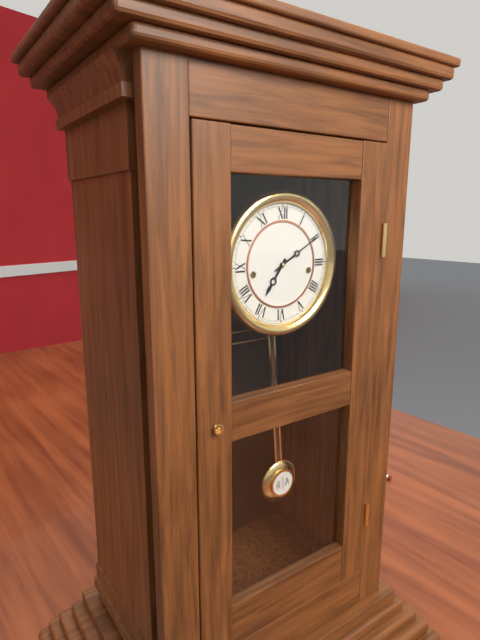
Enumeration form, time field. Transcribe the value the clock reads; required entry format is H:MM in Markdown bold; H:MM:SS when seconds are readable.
**7:10**
